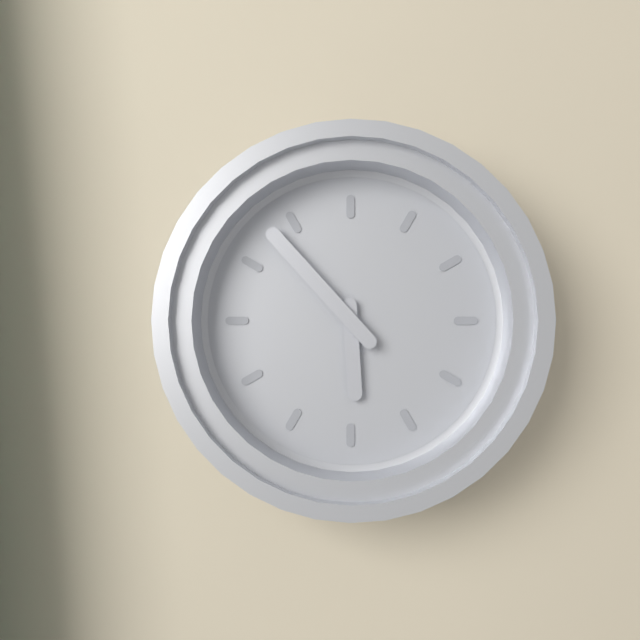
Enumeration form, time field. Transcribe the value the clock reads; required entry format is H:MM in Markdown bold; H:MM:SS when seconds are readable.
**5:53**
